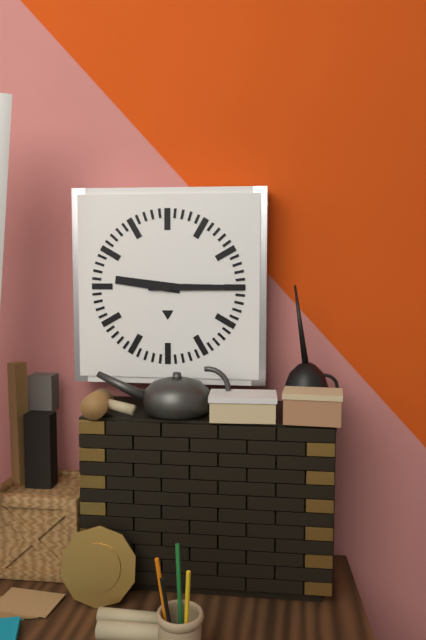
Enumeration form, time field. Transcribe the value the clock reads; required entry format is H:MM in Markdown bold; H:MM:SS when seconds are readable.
**9:15**
